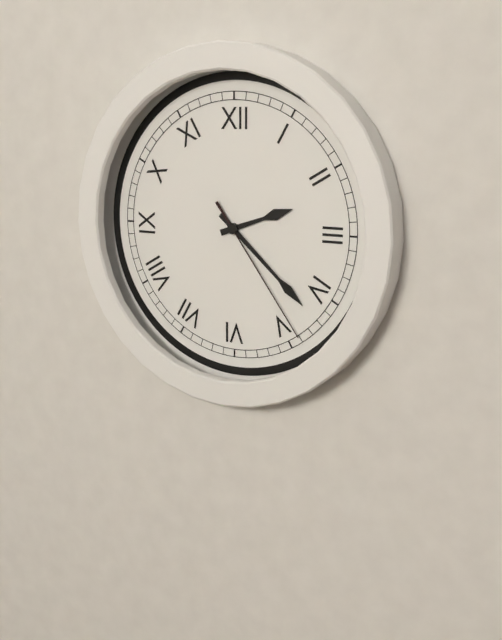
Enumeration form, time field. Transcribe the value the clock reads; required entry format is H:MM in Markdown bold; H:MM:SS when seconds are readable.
**2:22:24**
